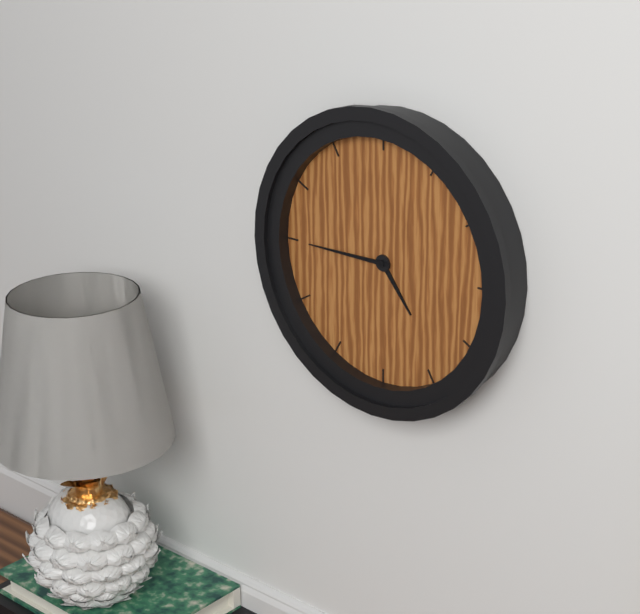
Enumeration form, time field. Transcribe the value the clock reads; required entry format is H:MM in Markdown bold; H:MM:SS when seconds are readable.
**4:45**
